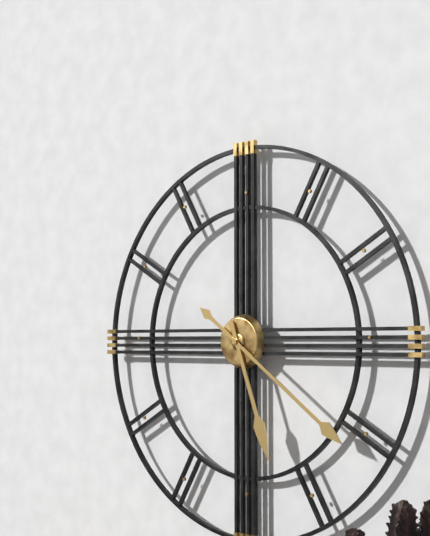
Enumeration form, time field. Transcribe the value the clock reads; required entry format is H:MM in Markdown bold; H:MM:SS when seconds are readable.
**5:21**
